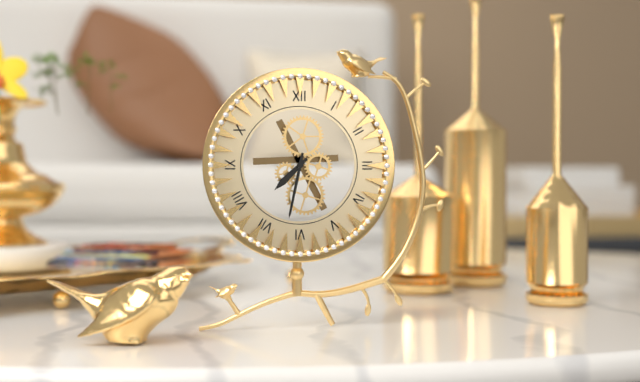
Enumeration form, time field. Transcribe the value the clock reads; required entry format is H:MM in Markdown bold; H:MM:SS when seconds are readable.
**7:32**
